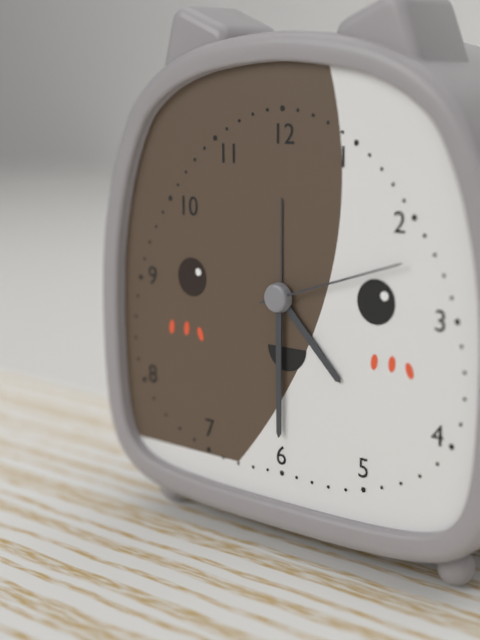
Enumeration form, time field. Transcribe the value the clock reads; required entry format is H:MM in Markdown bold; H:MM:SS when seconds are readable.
**4:30:12**
